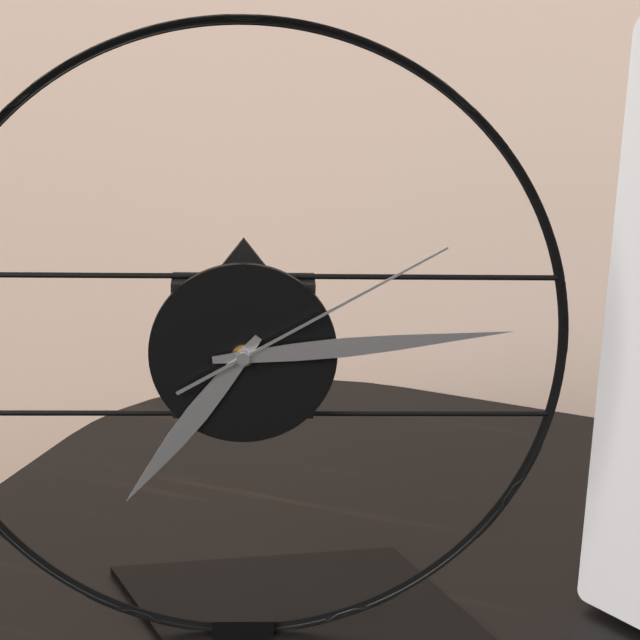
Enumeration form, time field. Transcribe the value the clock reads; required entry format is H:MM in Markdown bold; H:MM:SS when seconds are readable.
**7:14:10**
